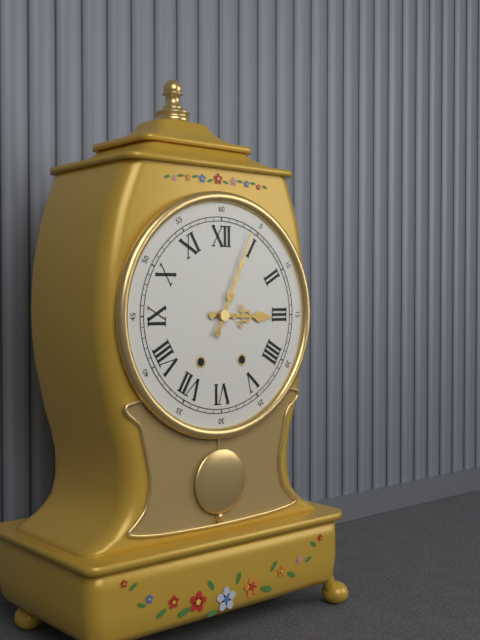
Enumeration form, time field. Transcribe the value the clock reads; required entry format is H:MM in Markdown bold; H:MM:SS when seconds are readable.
**3:04**
